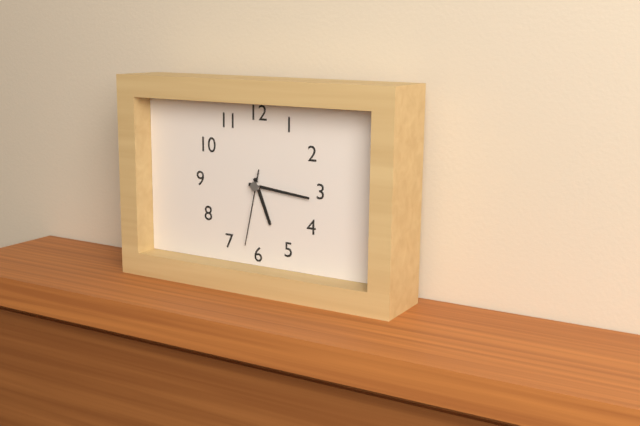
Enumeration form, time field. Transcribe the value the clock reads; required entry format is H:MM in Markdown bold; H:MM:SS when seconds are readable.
**5:16:32**
